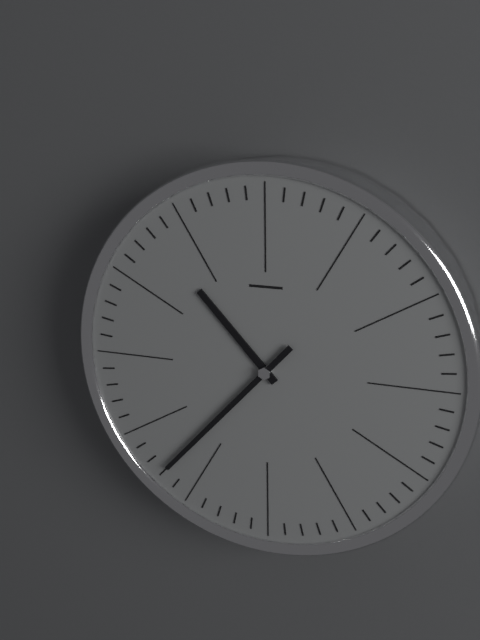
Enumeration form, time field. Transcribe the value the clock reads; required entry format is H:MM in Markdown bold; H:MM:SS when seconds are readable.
**10:37**
